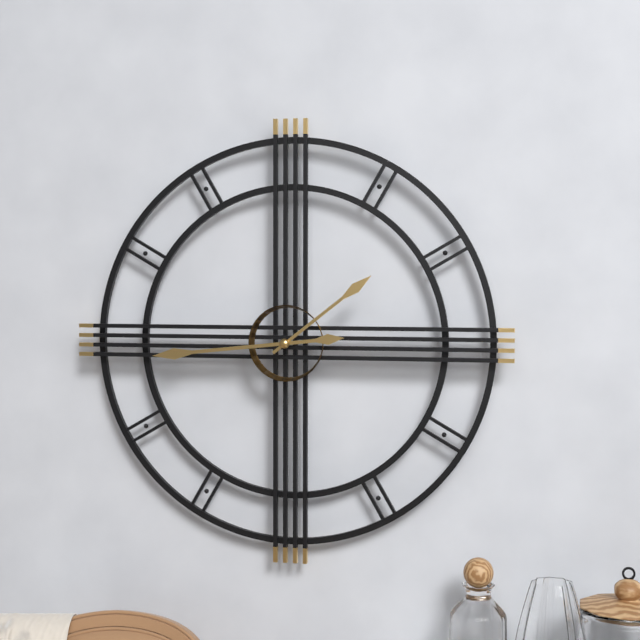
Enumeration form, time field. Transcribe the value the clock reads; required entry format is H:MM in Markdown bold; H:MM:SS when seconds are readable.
**1:44**
